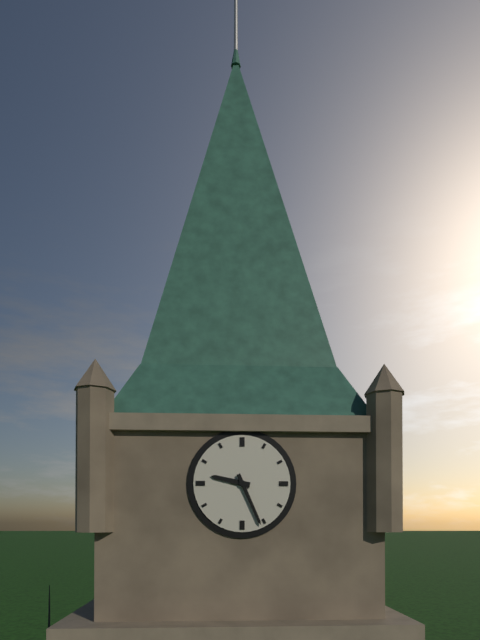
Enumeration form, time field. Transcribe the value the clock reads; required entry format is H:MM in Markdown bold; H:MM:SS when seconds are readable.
**9:26**
